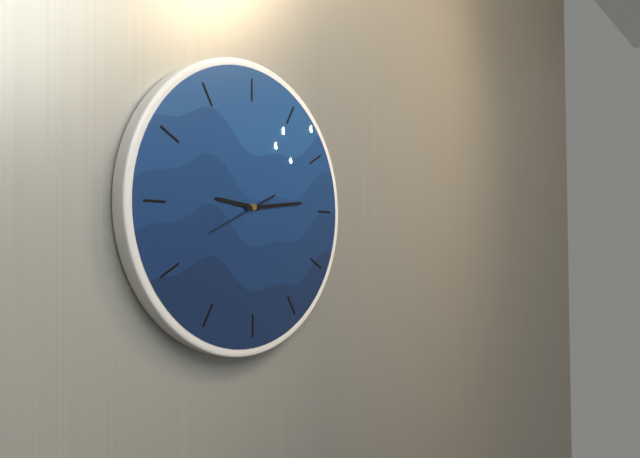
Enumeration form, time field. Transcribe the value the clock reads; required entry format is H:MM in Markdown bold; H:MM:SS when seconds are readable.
**9:14:41**
